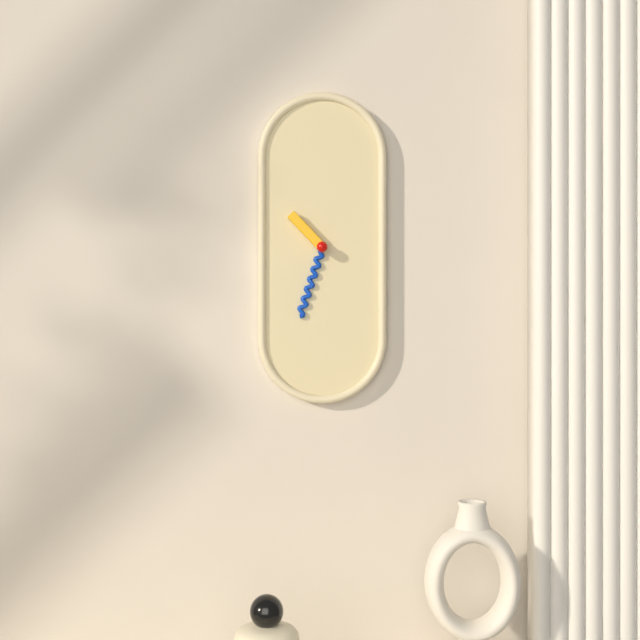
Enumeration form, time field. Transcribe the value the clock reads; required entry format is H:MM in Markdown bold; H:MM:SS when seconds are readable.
**10:33**
